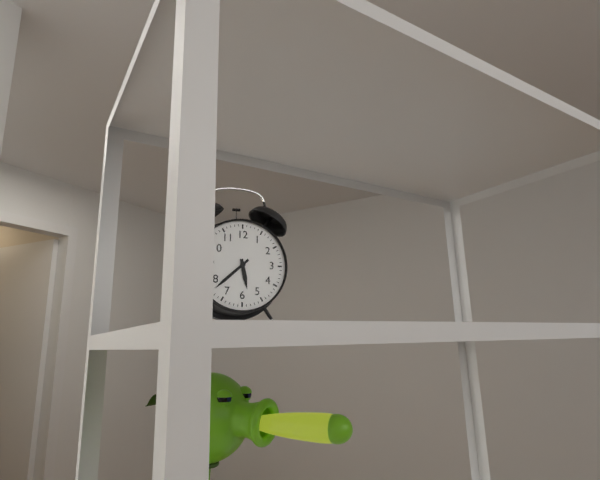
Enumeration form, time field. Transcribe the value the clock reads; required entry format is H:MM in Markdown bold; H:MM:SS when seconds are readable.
**5:38**
